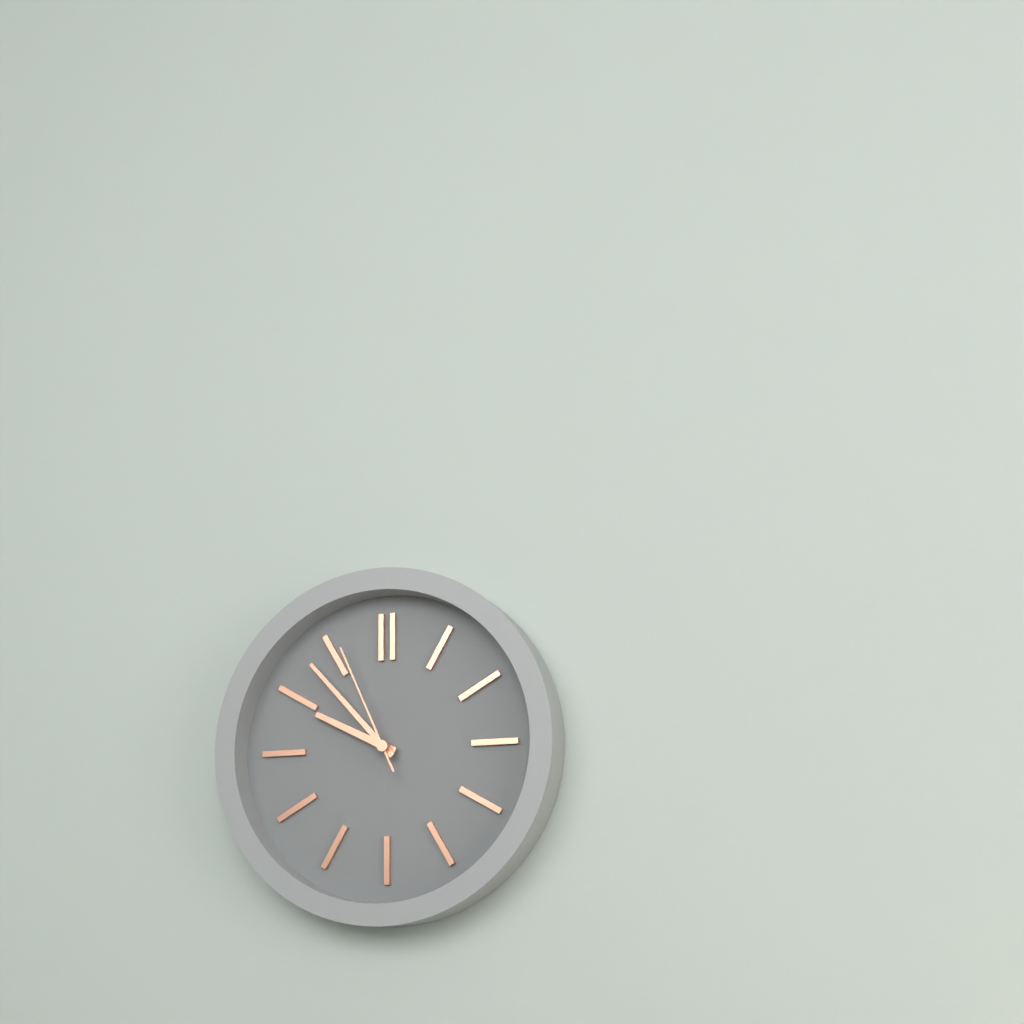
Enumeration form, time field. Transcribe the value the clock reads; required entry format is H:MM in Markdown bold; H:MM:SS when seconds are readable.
**9:53:56**
